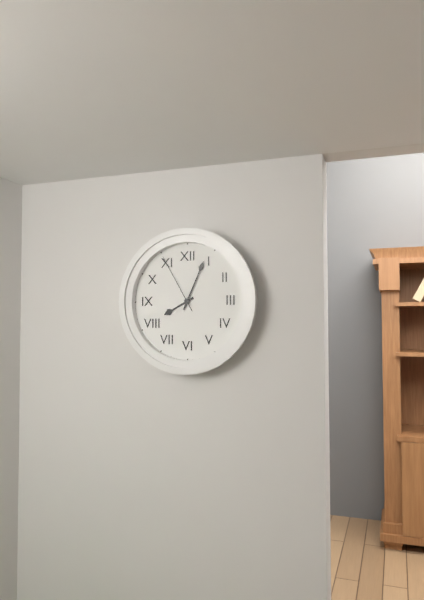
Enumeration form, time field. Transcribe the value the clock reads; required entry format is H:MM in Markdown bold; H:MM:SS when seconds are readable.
**8:04:55**
